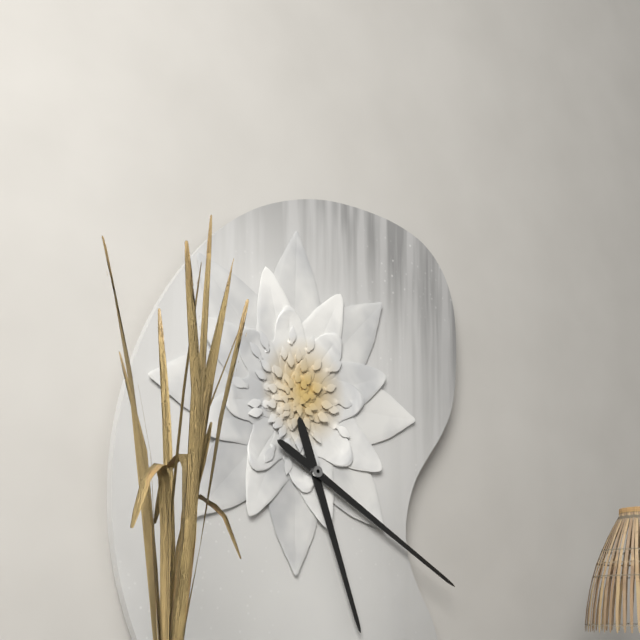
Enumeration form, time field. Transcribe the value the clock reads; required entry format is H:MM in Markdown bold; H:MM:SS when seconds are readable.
**5:20**
